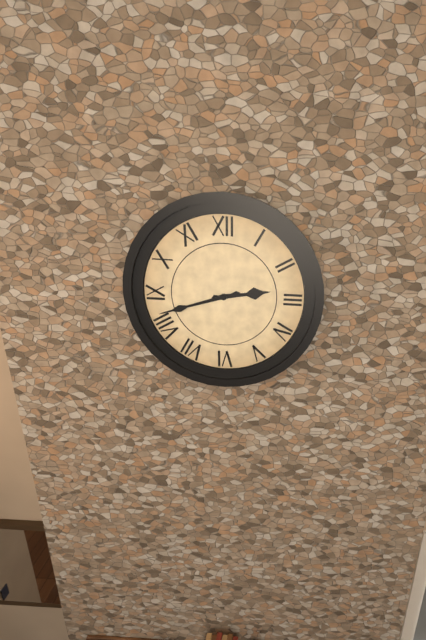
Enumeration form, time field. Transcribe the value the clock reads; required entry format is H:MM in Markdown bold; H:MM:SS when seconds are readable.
**2:42**
